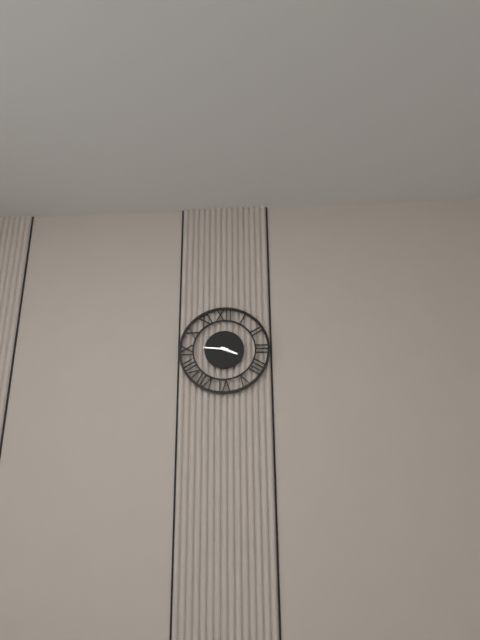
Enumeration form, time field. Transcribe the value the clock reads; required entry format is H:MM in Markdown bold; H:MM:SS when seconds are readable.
**3:46**
